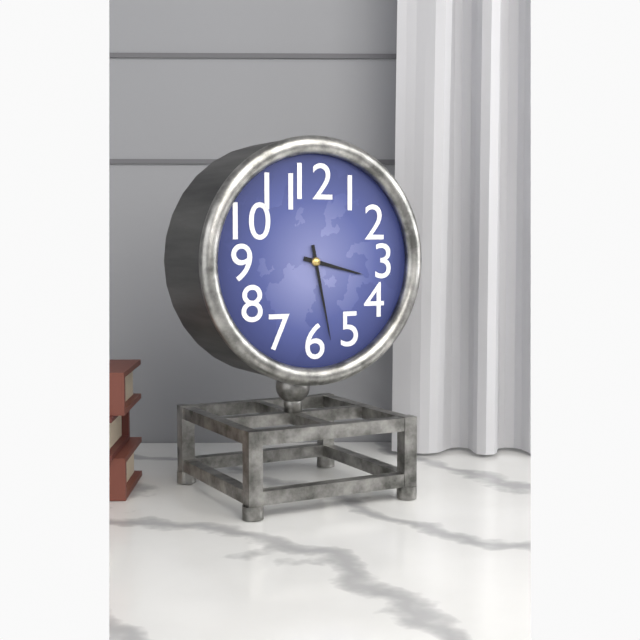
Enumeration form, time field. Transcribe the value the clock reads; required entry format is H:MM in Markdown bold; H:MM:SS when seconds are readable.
**3:28**
